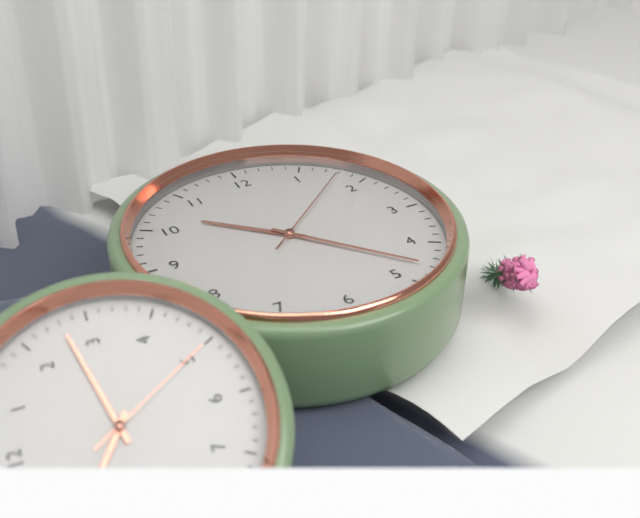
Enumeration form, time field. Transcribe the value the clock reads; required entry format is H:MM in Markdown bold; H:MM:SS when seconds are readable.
**10:23:08**
